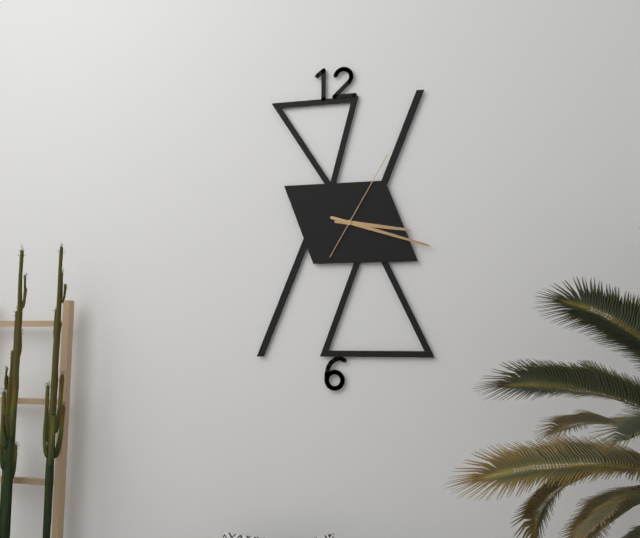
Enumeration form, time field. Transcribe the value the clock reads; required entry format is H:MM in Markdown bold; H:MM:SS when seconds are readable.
**3:18:05**
